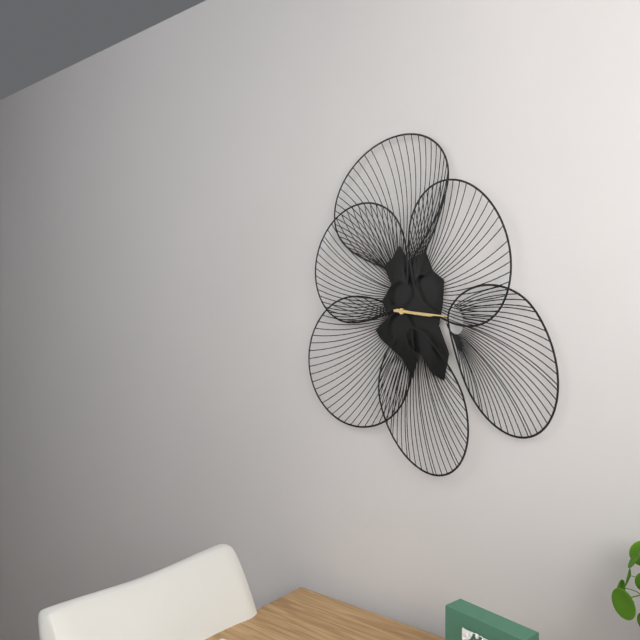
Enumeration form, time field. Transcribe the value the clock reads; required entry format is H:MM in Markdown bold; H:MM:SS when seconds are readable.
**3:16**
